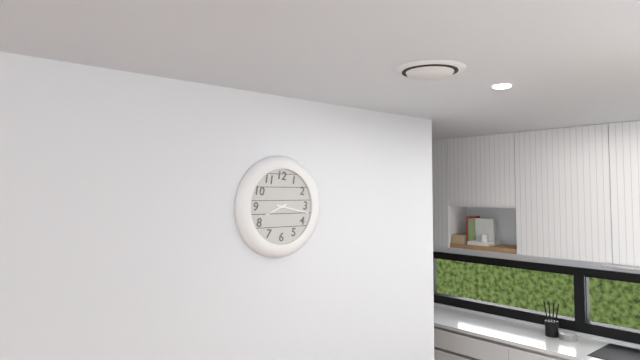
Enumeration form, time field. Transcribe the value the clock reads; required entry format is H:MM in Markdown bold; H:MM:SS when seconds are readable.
**8:17**
